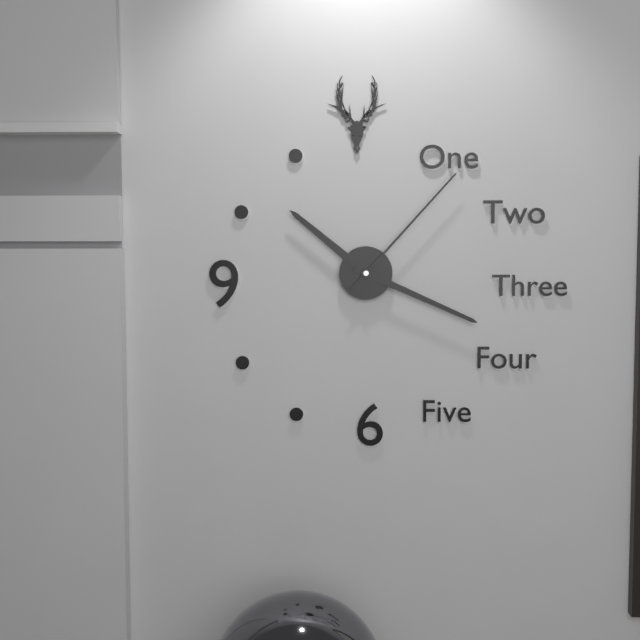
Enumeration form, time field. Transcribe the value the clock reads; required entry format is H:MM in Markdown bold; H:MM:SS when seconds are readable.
**10:19:07**
